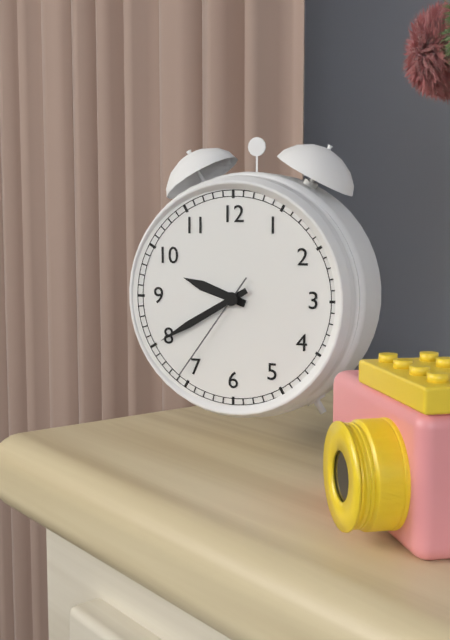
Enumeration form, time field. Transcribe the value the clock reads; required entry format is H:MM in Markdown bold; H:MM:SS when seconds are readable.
**9:40:36**
